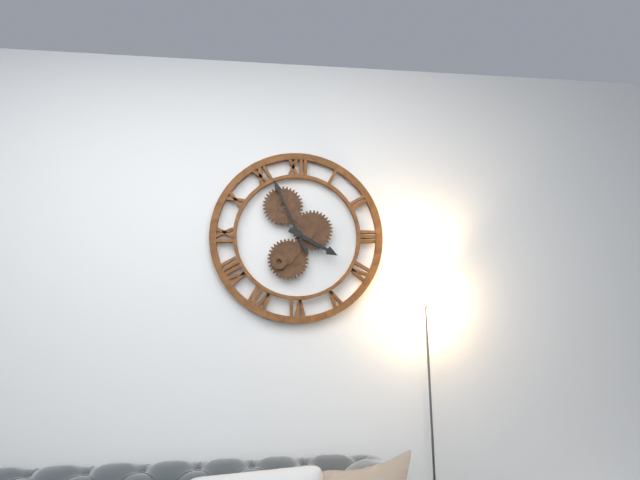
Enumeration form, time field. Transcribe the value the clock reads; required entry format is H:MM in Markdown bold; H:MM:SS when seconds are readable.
**3:56**
